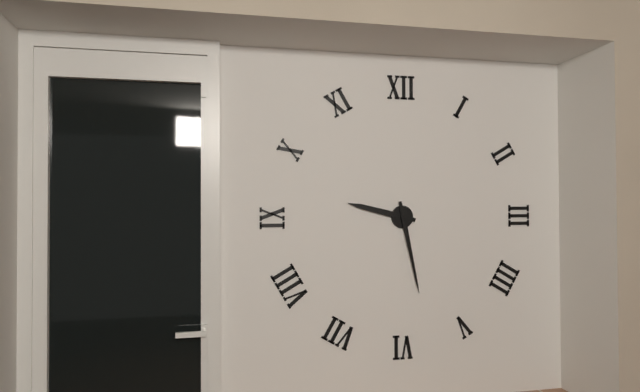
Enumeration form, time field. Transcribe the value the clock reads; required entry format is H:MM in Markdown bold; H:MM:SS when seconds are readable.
**9:28**
